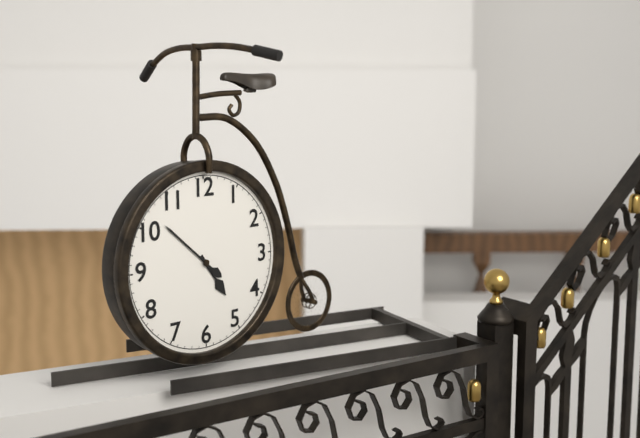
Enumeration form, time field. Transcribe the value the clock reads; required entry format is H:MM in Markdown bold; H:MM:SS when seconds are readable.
**4:52**
